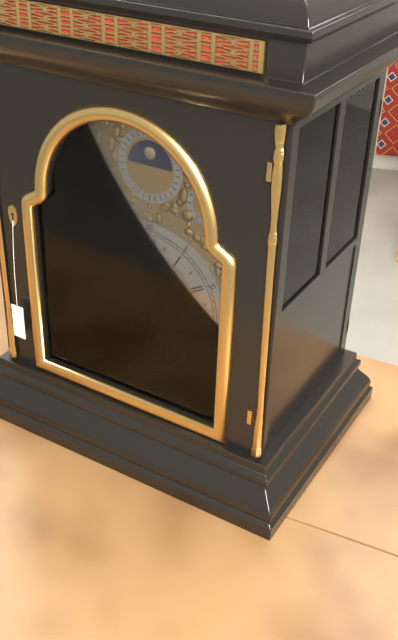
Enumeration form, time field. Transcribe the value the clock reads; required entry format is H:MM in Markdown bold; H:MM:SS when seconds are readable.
**3:43**
